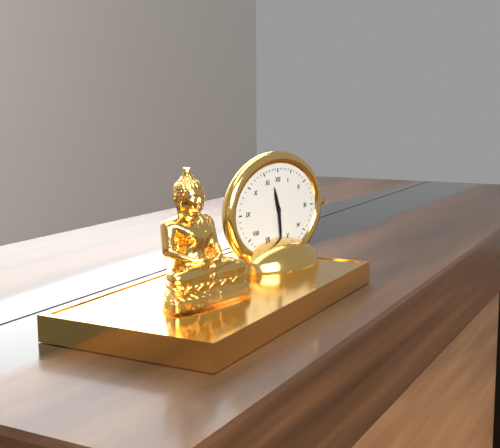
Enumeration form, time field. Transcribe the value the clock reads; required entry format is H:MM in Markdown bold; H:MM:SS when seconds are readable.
**11:29**
